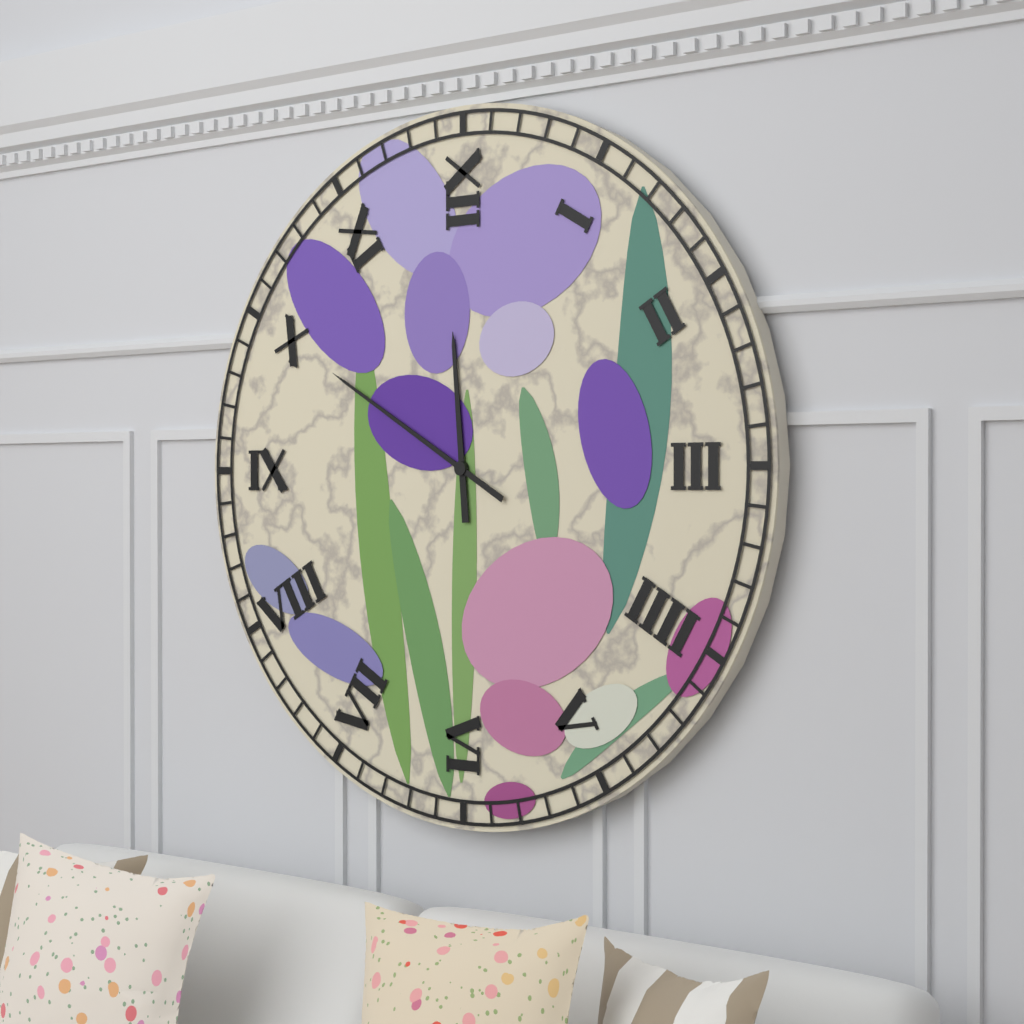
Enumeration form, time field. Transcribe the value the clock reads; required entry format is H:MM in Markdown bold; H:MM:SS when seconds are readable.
**11:50**
